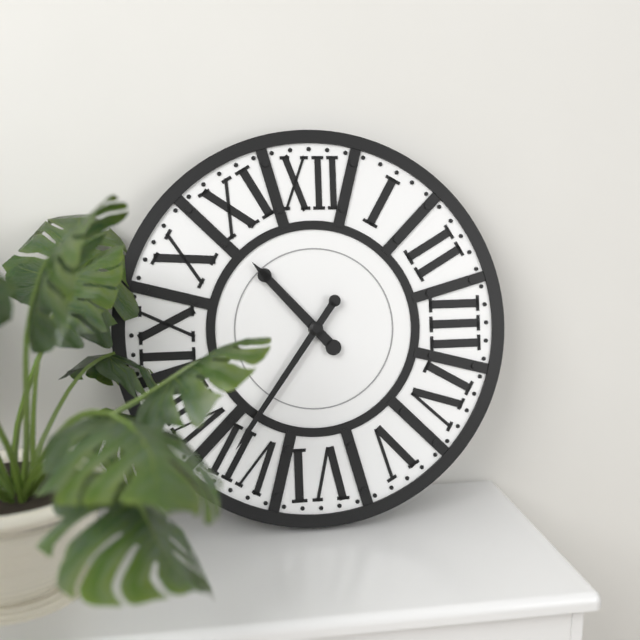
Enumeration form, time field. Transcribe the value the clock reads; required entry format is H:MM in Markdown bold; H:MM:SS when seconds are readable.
**10:36**
